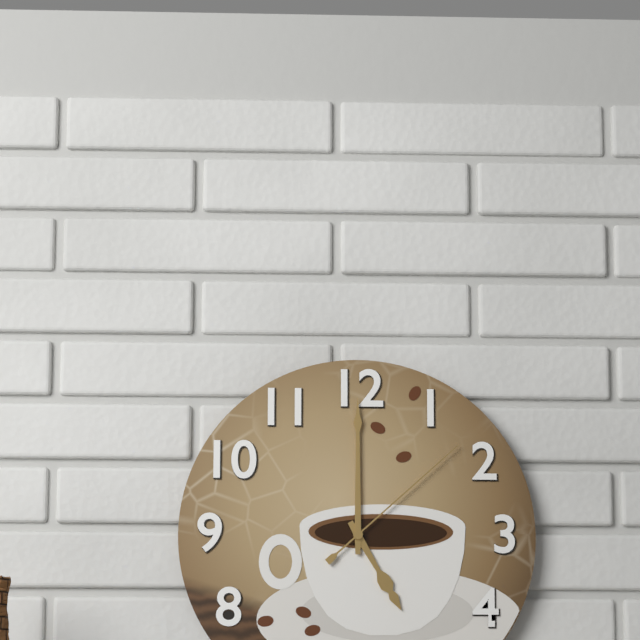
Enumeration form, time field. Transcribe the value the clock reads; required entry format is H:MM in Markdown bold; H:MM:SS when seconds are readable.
**5:00:08**
